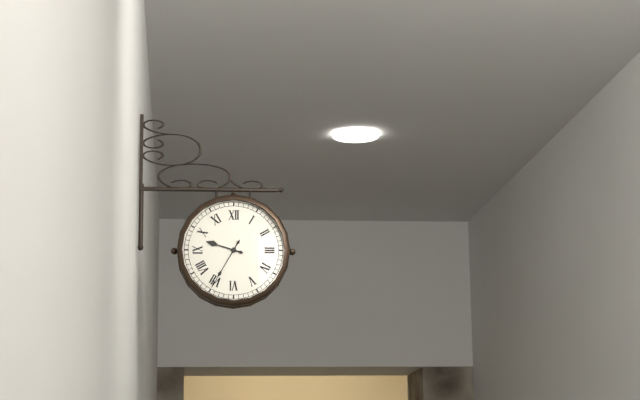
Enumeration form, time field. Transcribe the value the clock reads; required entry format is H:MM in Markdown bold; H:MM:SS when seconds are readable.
**9:35**
